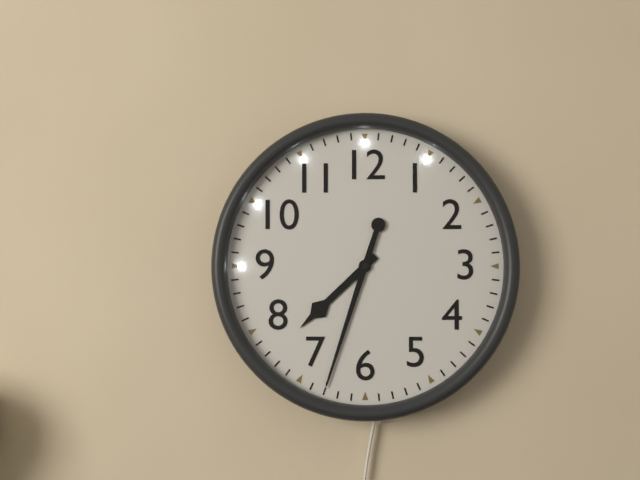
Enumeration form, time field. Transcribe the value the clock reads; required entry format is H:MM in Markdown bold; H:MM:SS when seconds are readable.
**7:33**
